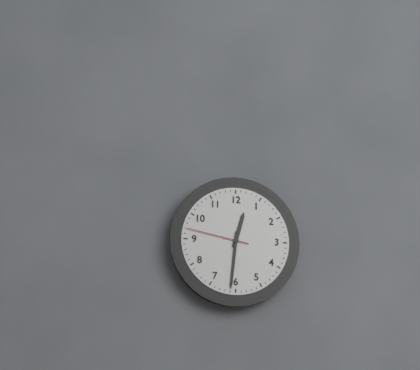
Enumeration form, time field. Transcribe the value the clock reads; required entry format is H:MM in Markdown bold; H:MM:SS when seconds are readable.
**12:31:47**
